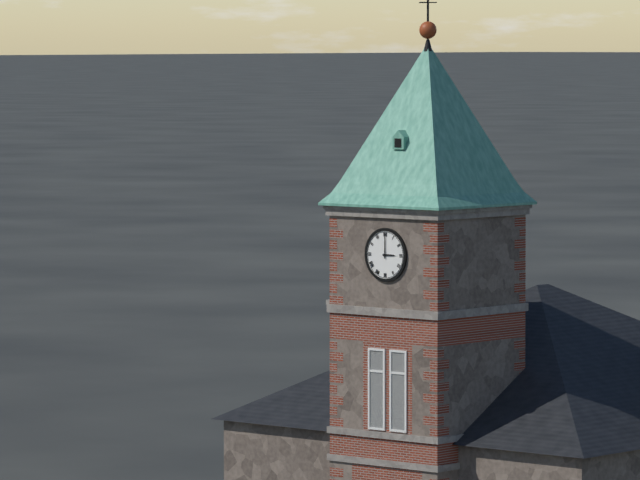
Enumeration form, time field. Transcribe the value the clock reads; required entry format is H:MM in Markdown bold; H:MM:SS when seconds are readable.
**3:00**
